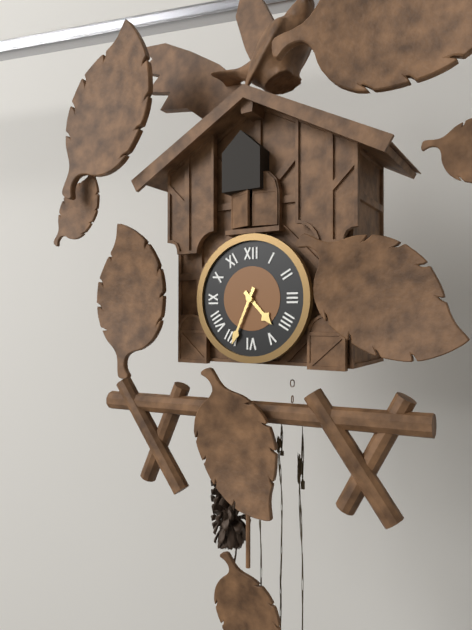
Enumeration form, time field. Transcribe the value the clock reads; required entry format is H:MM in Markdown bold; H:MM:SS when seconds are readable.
**4:34**
